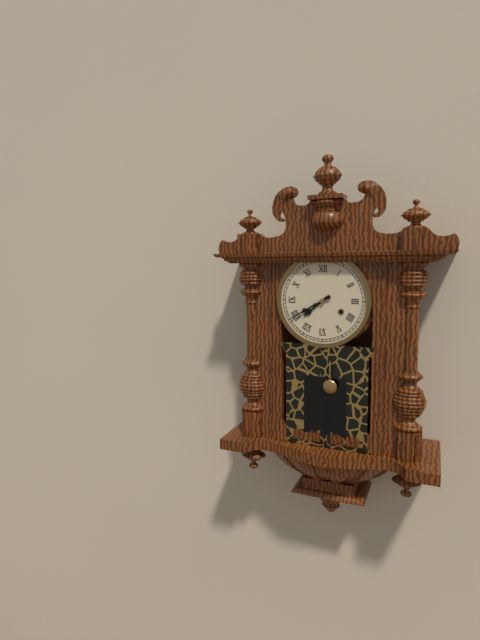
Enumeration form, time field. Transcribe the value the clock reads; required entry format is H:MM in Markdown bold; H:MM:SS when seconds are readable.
**7:40**
